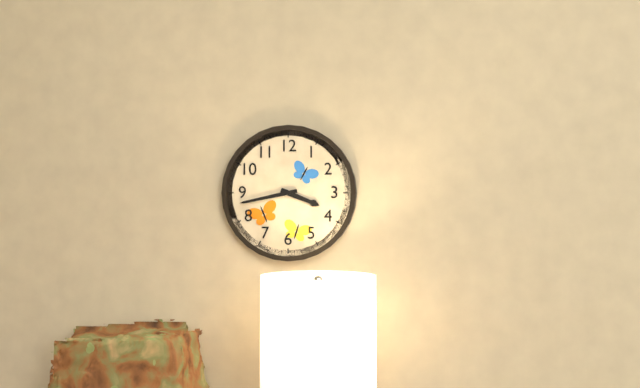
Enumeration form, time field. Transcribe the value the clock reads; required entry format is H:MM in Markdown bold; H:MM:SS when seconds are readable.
**3:43**
